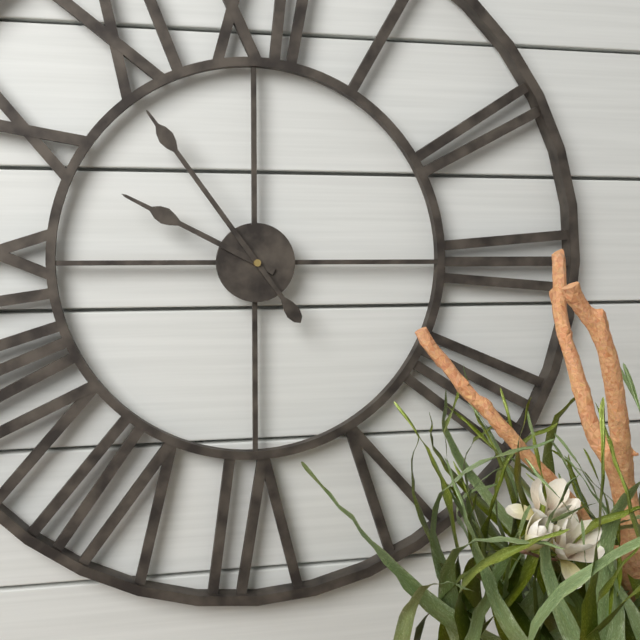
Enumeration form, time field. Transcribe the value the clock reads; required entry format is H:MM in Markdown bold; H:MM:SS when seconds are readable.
**9:54**
